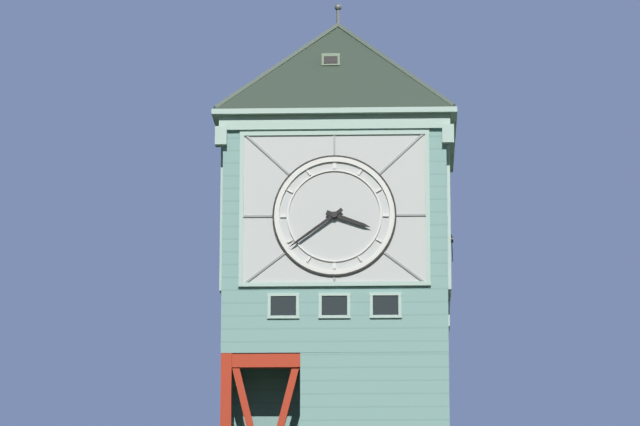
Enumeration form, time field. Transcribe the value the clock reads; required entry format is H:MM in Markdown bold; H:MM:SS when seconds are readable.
**3:39**
